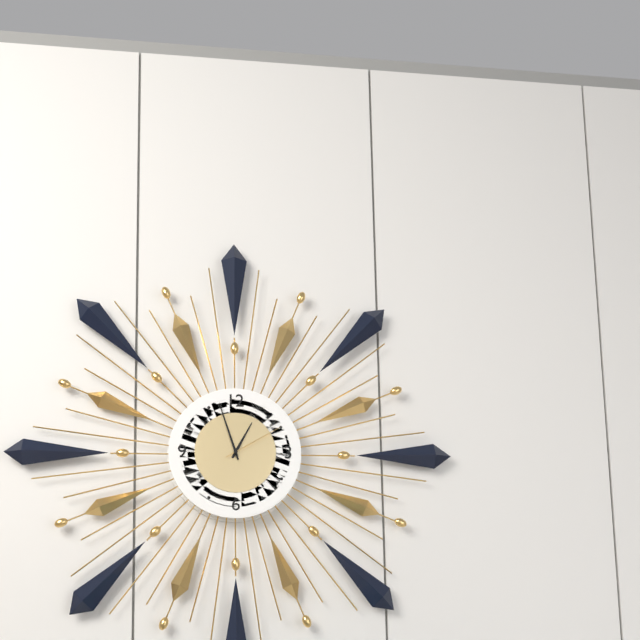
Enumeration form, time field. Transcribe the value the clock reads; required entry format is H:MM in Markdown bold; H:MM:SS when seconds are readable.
**12:57:10**
